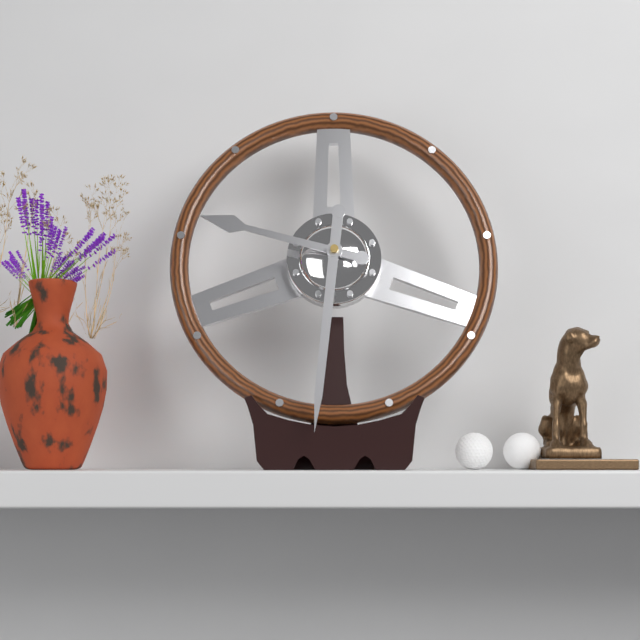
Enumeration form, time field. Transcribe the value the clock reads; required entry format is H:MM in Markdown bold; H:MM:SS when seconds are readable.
**9:31**
